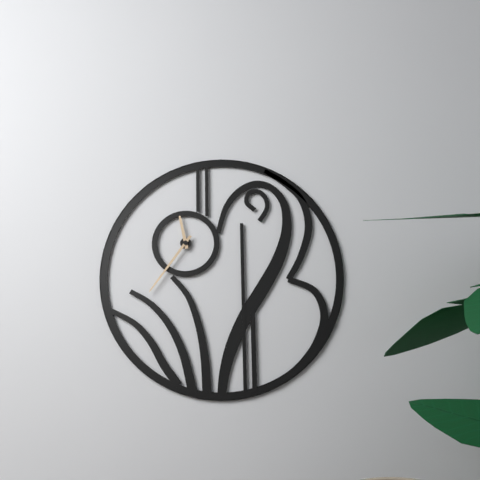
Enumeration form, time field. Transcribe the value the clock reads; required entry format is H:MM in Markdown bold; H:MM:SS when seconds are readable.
**11:36**
